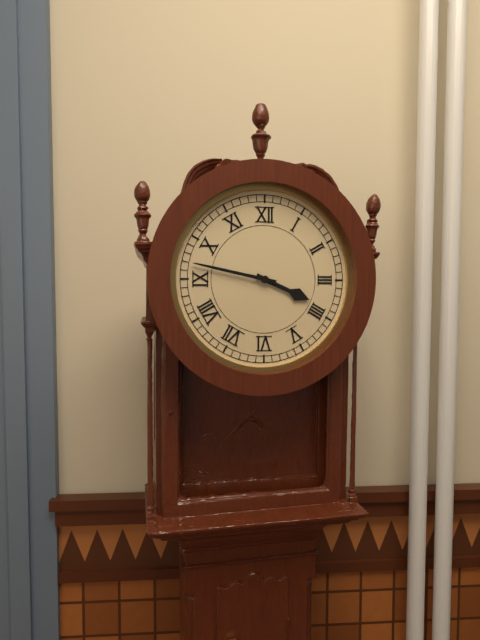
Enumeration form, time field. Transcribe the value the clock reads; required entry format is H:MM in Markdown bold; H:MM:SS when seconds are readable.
**3:47**
